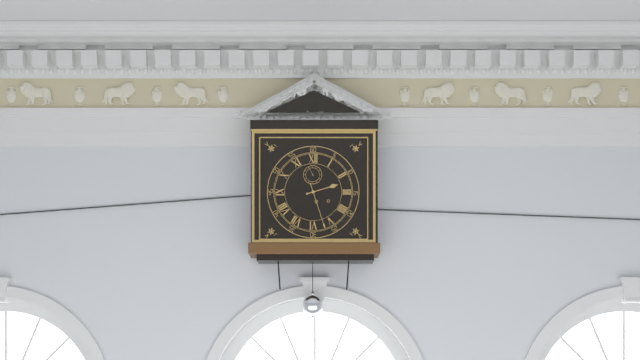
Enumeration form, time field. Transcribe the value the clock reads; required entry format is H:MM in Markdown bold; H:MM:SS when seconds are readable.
**2:27**
